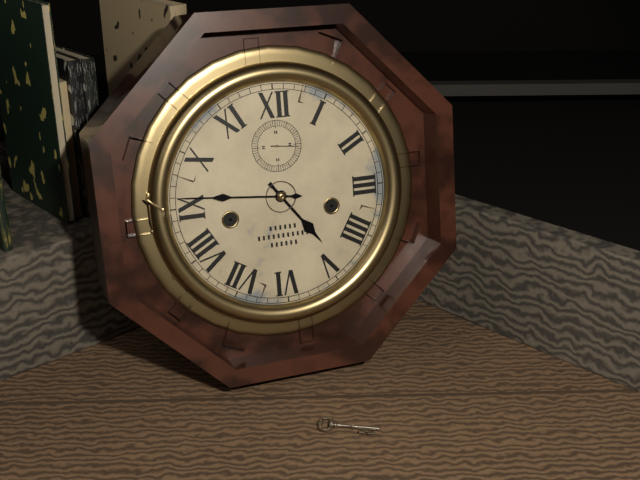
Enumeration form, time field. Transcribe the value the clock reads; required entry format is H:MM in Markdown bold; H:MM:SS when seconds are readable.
**4:46**
